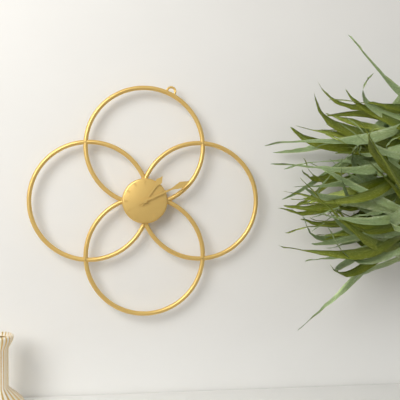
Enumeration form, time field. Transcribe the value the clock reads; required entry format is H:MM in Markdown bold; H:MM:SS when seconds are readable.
**1:11**
